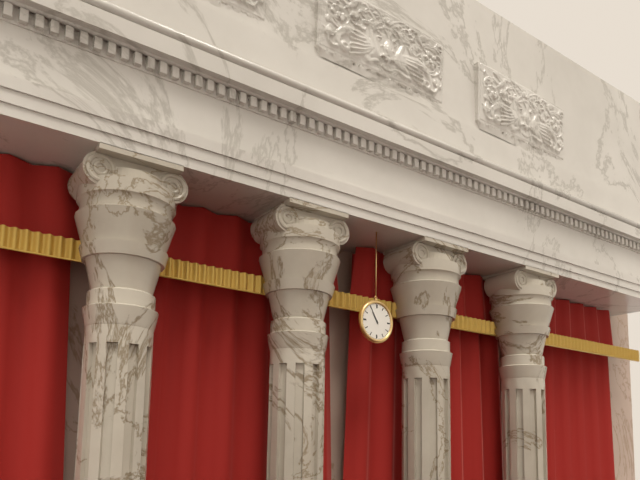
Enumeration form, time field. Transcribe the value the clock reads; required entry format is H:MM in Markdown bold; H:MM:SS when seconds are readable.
**10:55**
